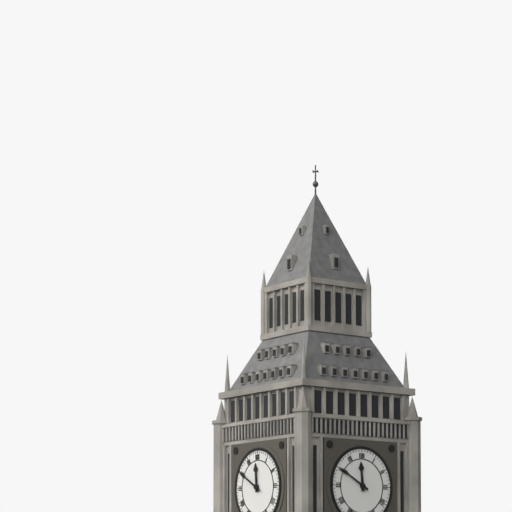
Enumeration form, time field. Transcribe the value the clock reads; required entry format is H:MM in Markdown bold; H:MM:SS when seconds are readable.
**11:50**
